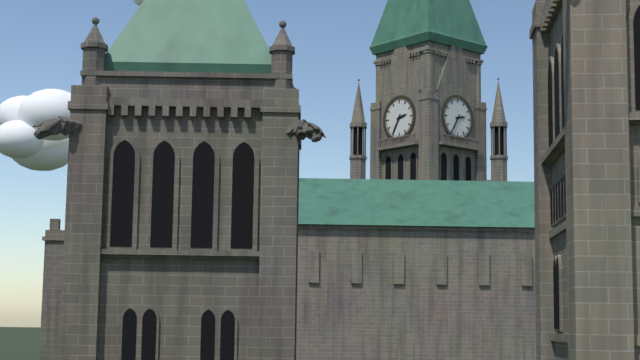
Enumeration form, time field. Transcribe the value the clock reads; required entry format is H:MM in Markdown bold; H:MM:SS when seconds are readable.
**2:35**
